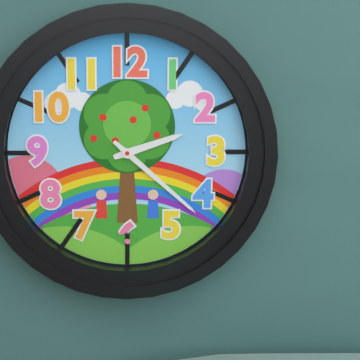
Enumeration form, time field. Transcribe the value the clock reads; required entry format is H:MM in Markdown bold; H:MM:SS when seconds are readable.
**2:22**
